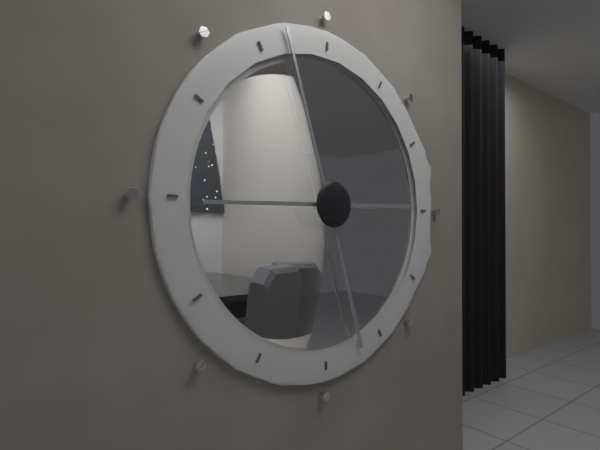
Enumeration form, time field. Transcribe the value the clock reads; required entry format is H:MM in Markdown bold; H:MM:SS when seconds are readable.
**8:57**
